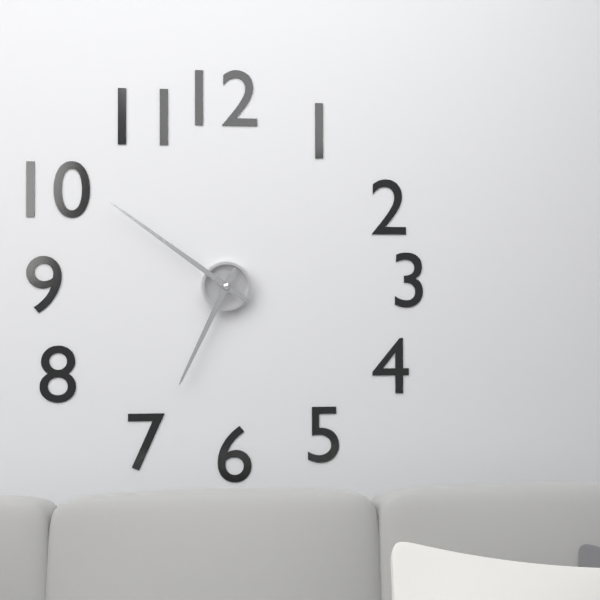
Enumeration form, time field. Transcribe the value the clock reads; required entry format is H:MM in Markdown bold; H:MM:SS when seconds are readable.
**6:51**
